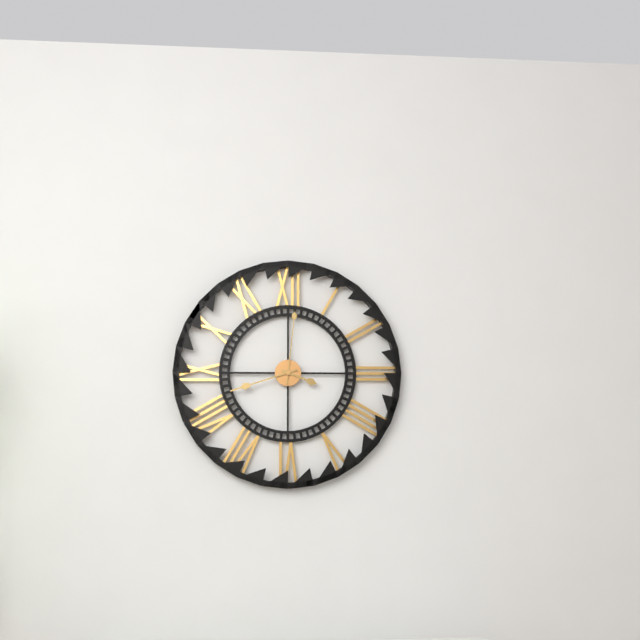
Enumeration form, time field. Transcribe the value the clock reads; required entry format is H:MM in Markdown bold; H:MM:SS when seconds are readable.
**3:42:01**
